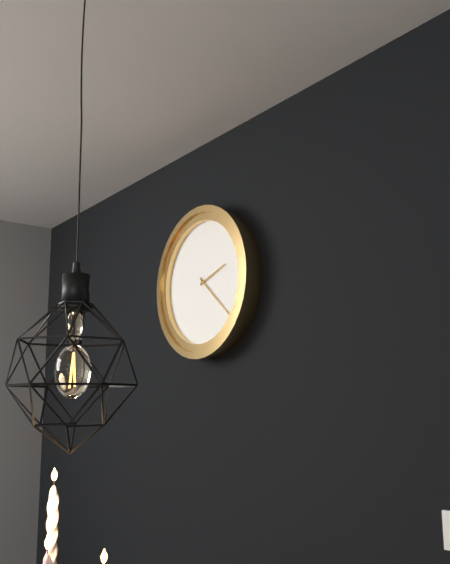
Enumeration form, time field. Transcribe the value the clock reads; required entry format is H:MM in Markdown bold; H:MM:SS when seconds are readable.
**2:22**
